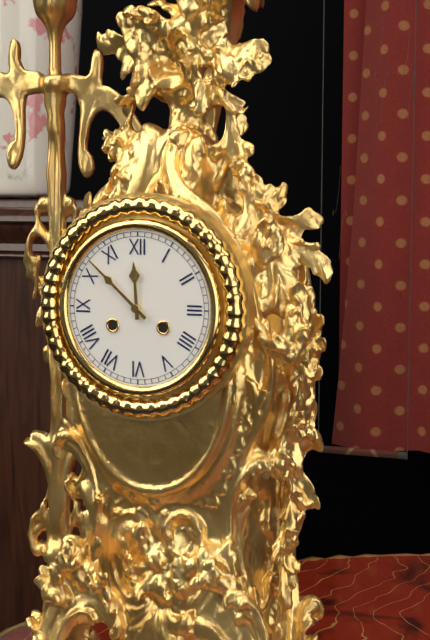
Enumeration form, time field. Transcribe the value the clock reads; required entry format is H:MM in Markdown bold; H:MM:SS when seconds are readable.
**11:52**
